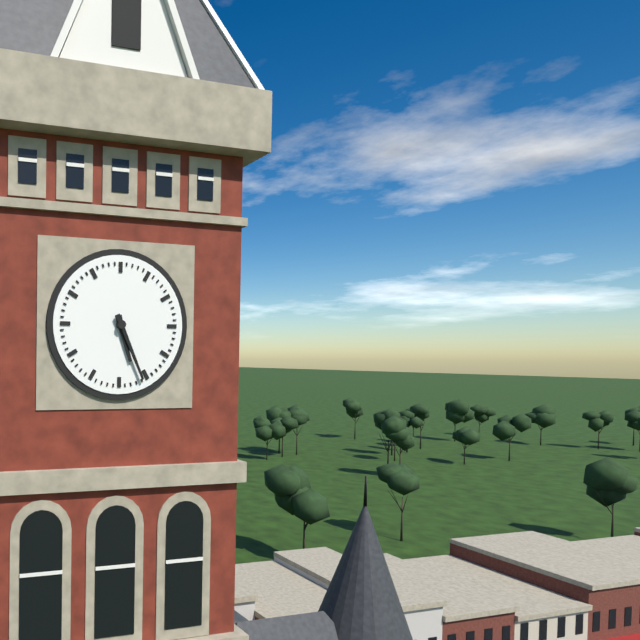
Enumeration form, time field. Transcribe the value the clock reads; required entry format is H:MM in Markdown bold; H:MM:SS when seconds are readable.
**5:26**
